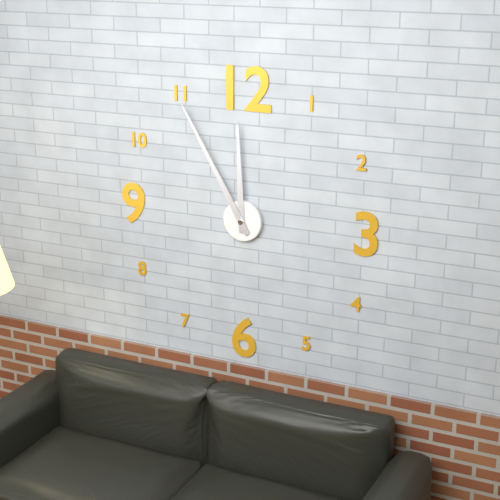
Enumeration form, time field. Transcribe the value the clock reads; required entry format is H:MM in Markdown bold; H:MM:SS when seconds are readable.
**11:55**
